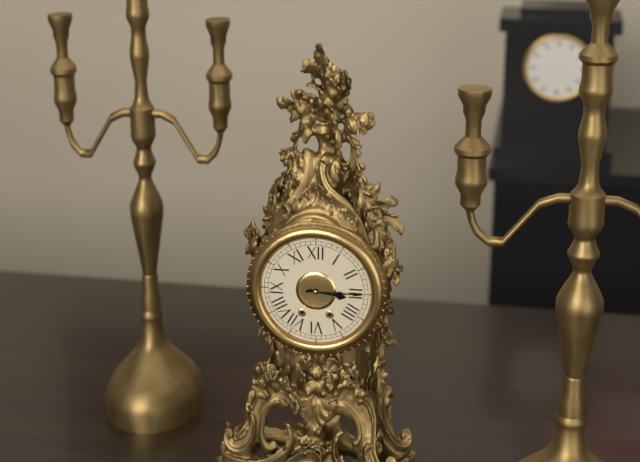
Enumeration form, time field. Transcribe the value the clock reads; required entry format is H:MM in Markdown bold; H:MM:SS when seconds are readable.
**3:15**
